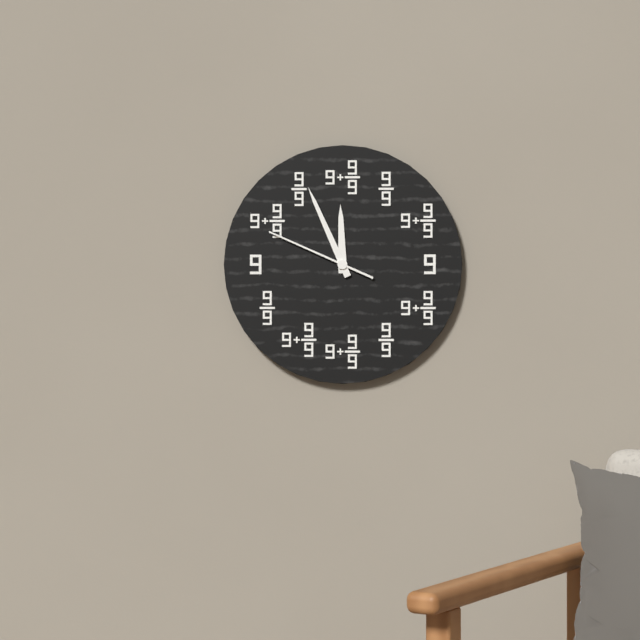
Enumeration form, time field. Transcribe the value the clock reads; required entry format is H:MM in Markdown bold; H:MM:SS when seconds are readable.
**11:56:49**
